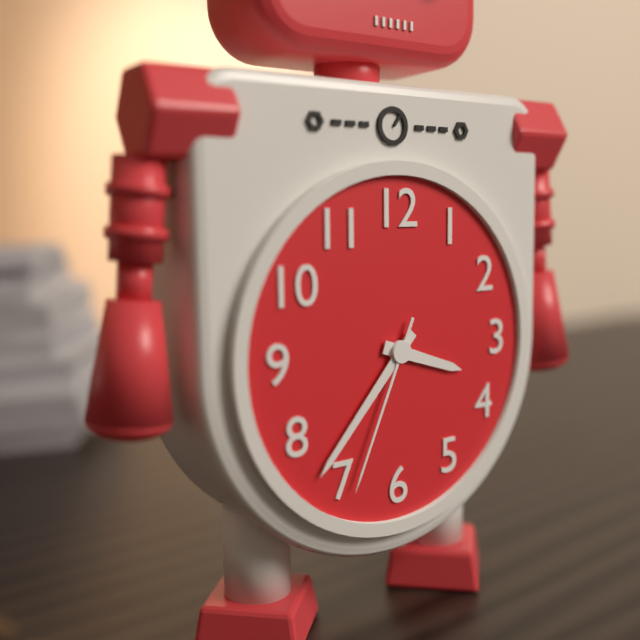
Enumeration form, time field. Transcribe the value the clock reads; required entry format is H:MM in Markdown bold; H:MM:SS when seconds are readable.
**3:37:34**
